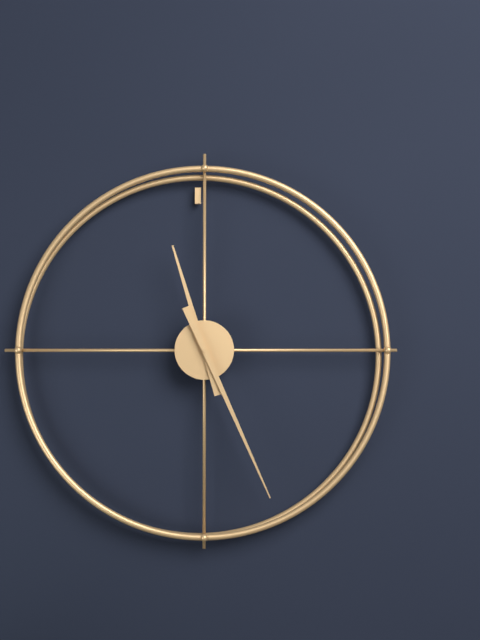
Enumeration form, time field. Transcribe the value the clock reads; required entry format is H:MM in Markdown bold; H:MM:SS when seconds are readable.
**11:26**
